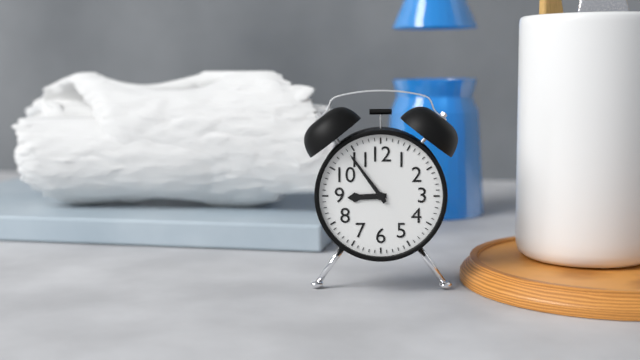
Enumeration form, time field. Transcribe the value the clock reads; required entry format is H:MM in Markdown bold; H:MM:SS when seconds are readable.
**8:54**
